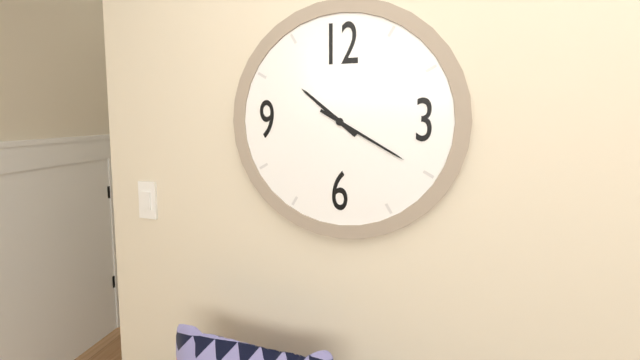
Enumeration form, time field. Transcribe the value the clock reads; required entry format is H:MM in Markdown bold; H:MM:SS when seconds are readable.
**10:20**
